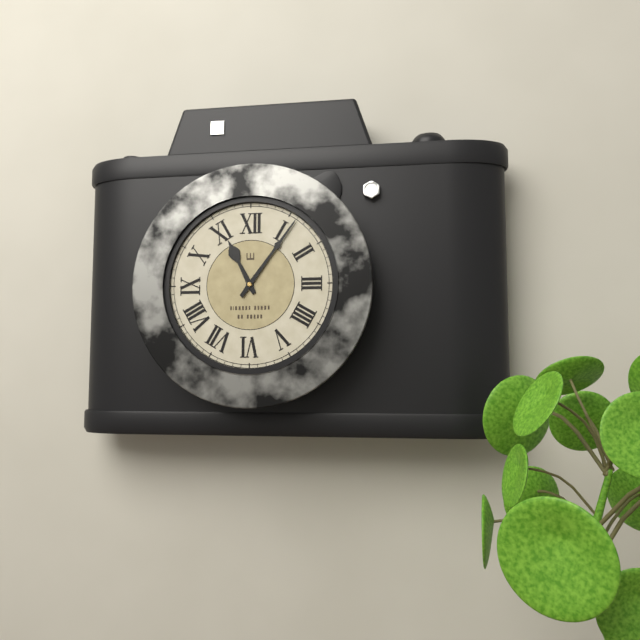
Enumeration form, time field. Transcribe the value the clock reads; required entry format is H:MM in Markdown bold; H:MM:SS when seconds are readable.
**11:06**
